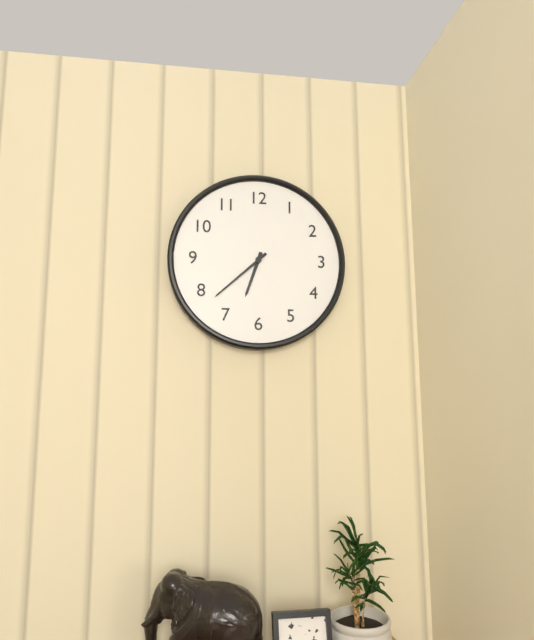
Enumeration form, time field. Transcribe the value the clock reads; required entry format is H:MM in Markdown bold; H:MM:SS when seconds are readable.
**6:38**
